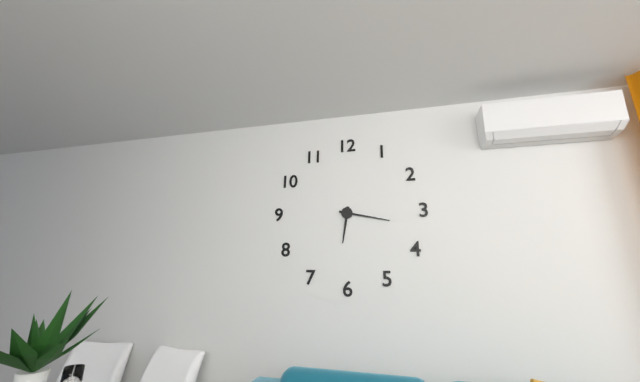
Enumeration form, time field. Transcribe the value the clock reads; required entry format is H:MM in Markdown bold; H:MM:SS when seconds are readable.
**6:17**
